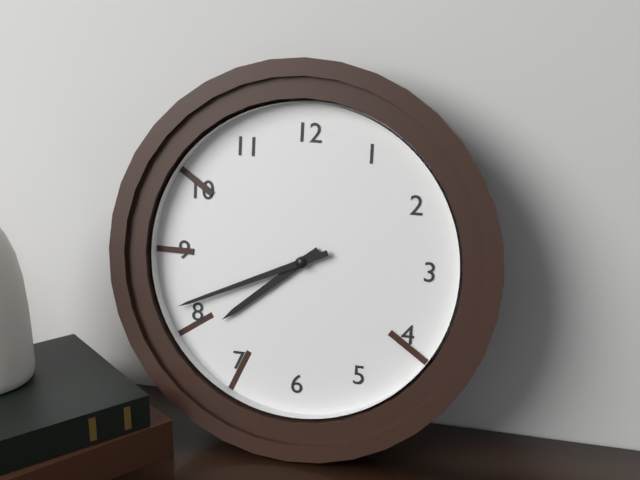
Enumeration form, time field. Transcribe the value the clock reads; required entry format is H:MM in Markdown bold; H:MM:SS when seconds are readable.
**7:41**
